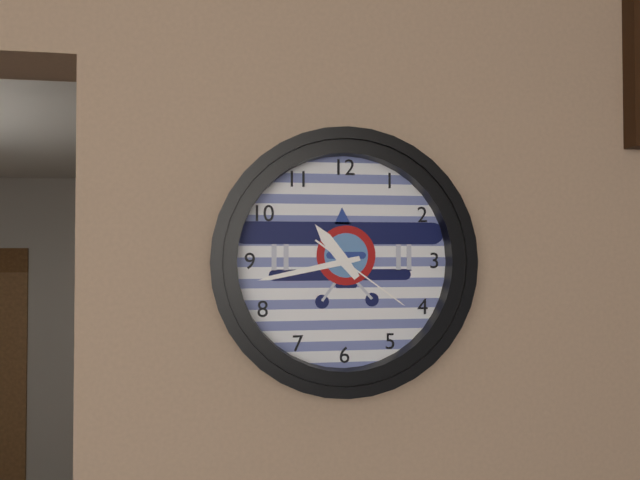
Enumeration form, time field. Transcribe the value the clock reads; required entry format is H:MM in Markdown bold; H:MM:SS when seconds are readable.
**10:43:21**
